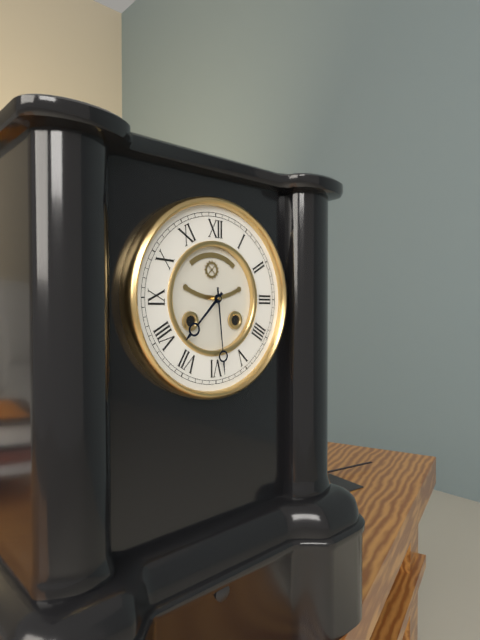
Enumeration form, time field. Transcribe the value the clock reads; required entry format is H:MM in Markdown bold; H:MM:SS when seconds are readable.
**7:29**
